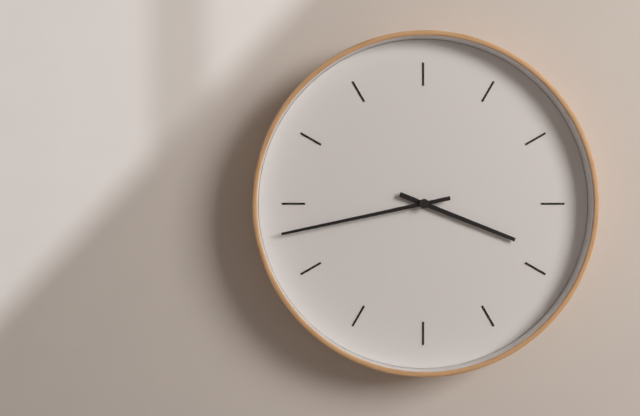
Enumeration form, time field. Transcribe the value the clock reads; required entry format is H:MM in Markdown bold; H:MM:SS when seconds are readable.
**3:43**
